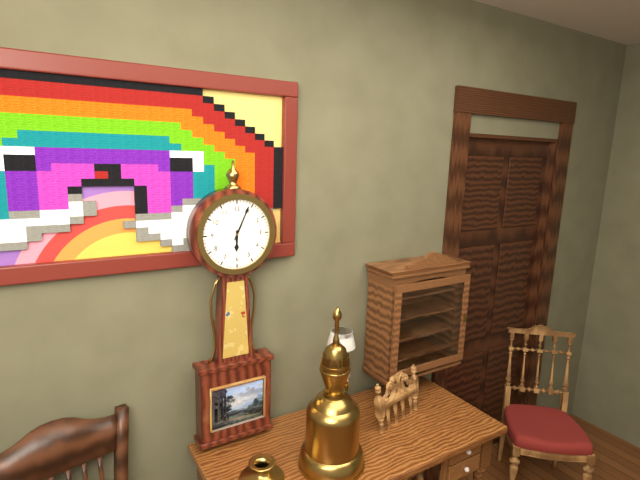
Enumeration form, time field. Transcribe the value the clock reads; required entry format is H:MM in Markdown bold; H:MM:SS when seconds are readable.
**6:04**
